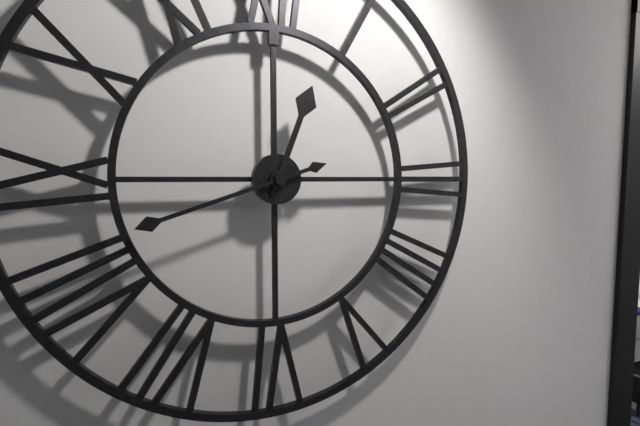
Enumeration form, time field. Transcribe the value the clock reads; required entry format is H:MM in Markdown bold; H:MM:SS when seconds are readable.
**12:42**
